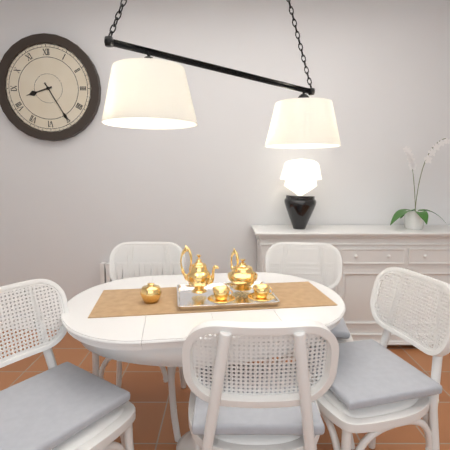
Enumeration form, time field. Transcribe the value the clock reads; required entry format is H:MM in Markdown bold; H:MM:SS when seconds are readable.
**8:25**
